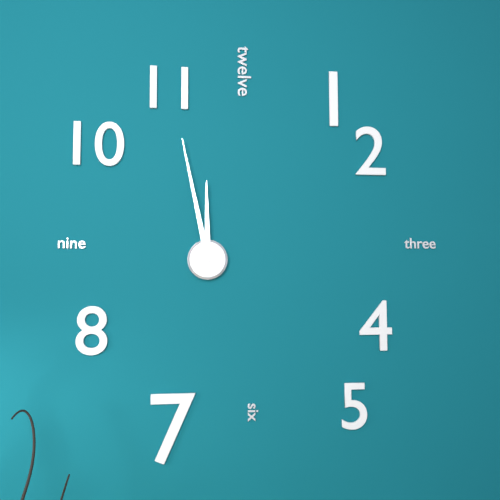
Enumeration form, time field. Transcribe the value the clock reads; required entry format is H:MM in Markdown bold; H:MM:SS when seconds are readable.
**11:58**
